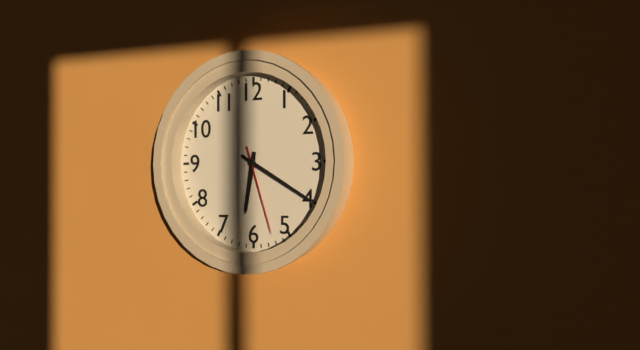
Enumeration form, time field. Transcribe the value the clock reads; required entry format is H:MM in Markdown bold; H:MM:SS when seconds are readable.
**6:20:27**
